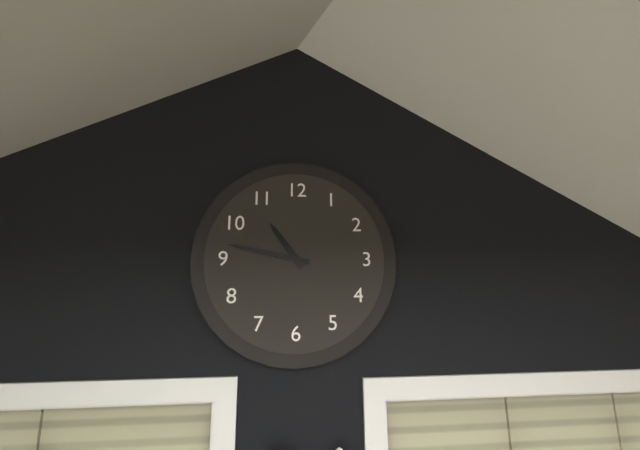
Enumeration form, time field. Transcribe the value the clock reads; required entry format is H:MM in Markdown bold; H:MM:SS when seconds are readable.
**10:47**
